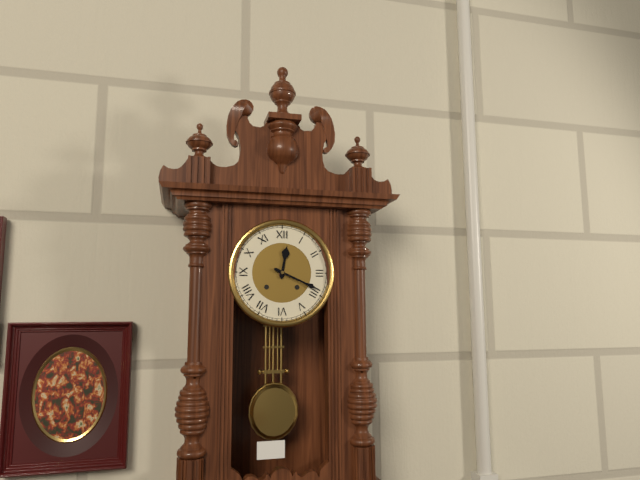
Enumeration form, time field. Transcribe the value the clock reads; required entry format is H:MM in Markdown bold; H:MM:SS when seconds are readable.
**12:19**
